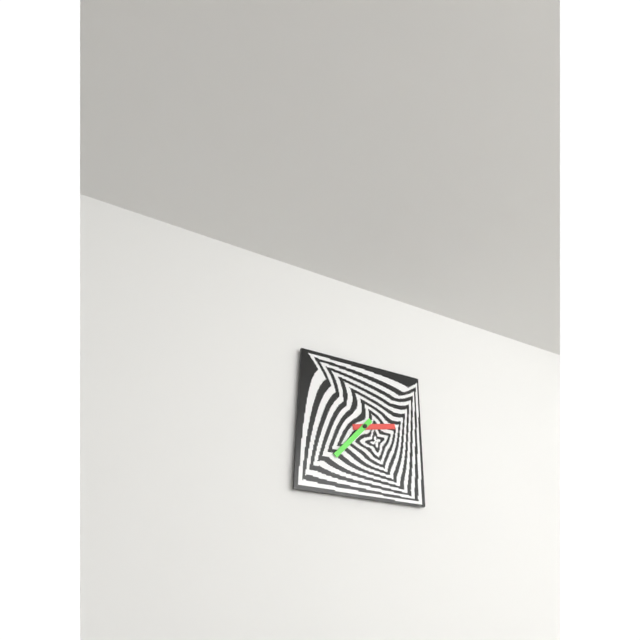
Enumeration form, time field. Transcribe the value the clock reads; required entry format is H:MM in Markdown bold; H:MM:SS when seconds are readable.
**2:37**
